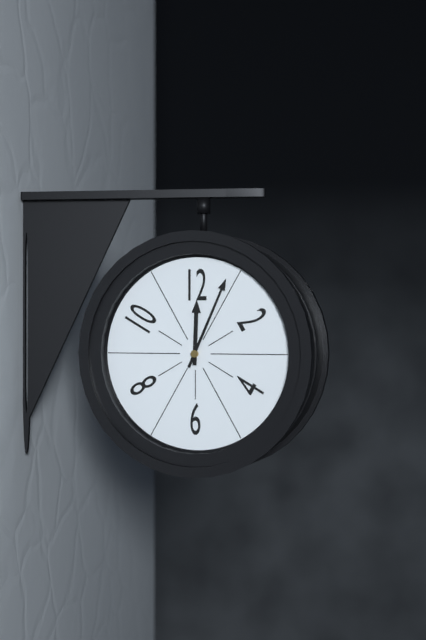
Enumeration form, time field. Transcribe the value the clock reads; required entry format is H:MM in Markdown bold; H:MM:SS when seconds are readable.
**12:04**
